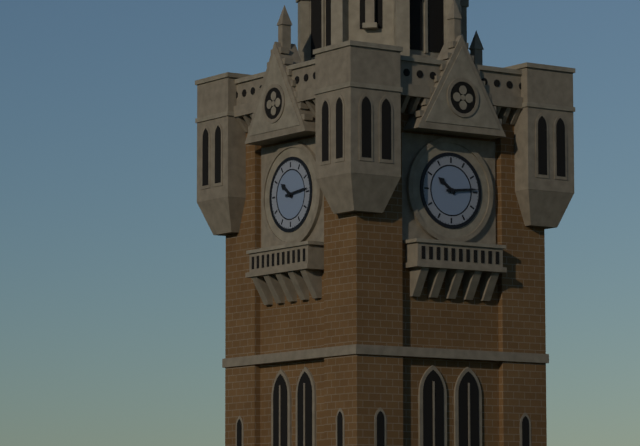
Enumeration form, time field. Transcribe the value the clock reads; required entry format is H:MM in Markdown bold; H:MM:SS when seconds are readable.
**10:14**
